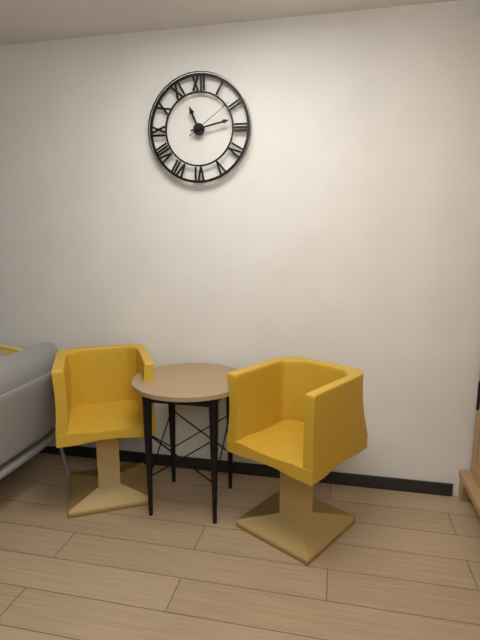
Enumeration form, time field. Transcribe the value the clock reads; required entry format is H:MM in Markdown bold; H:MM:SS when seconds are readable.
**11:13**
